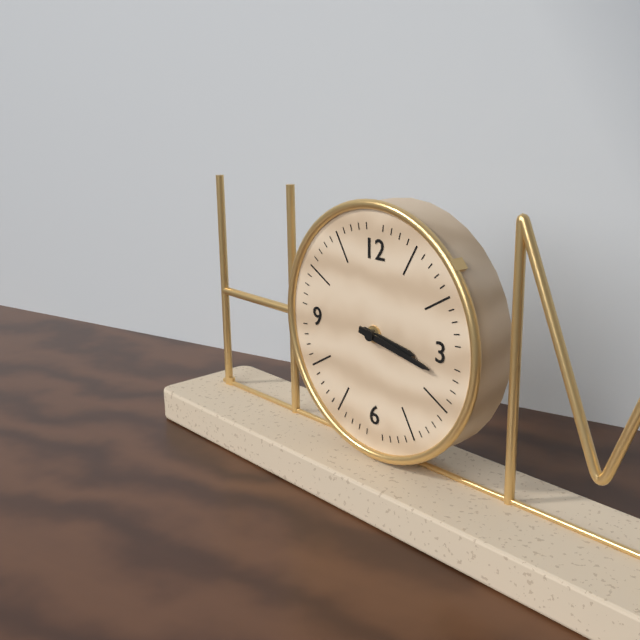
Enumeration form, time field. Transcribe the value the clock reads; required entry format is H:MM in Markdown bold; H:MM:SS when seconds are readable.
**3:17**
